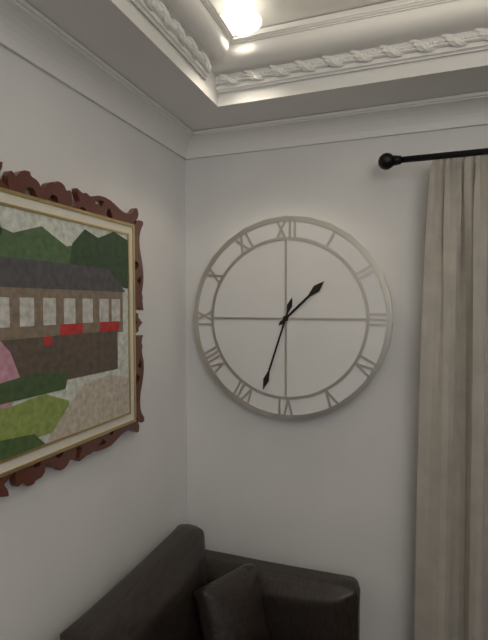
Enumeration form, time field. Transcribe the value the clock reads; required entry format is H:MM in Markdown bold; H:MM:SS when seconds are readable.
**1:33**
